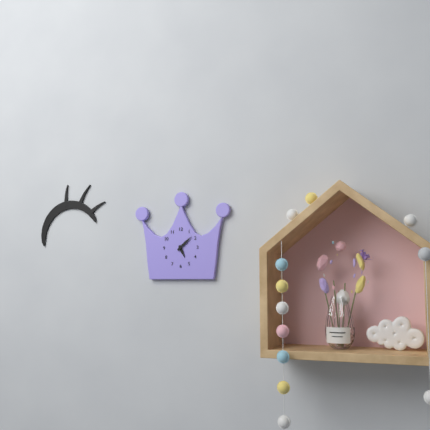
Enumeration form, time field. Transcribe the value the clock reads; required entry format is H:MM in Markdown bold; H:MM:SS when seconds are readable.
**5:08**
